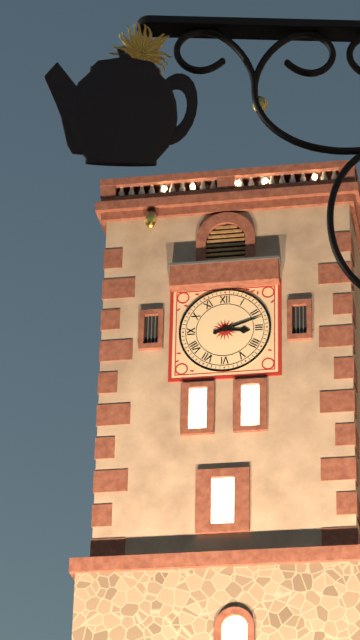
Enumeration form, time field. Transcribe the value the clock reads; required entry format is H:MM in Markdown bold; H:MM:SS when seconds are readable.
**3:12**
